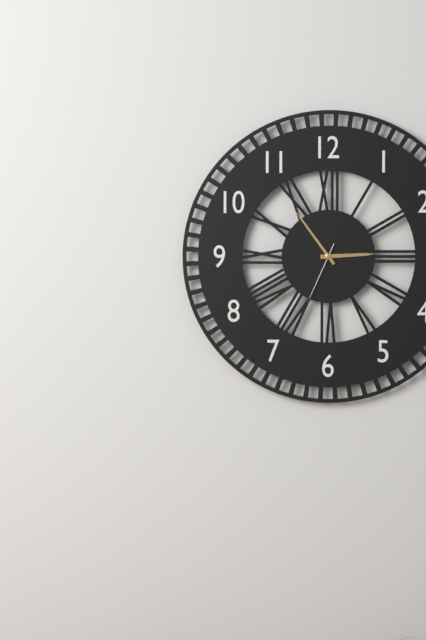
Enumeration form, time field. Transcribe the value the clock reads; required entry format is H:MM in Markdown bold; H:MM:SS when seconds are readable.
**2:54:34**
